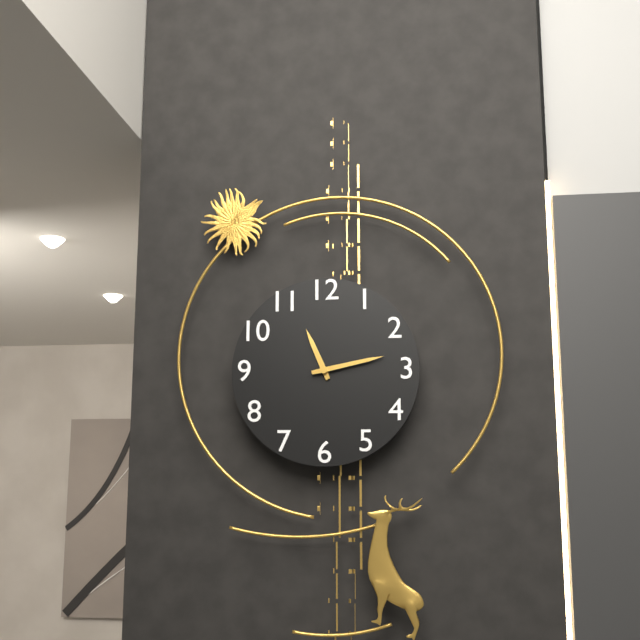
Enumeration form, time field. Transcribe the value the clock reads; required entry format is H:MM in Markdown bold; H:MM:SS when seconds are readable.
**11:13**
